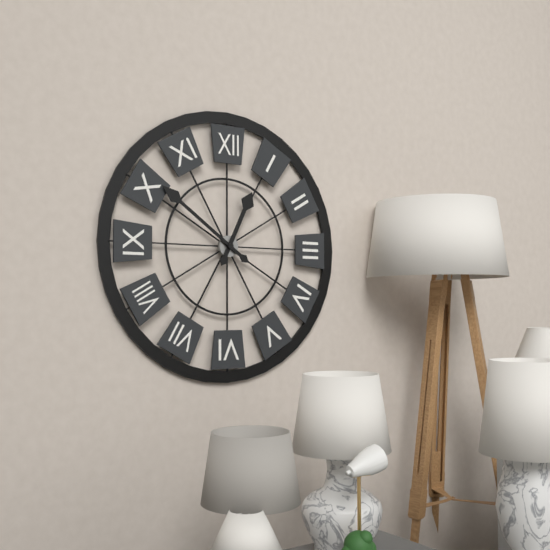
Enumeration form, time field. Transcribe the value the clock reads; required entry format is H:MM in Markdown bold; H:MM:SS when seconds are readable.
**12:51**
